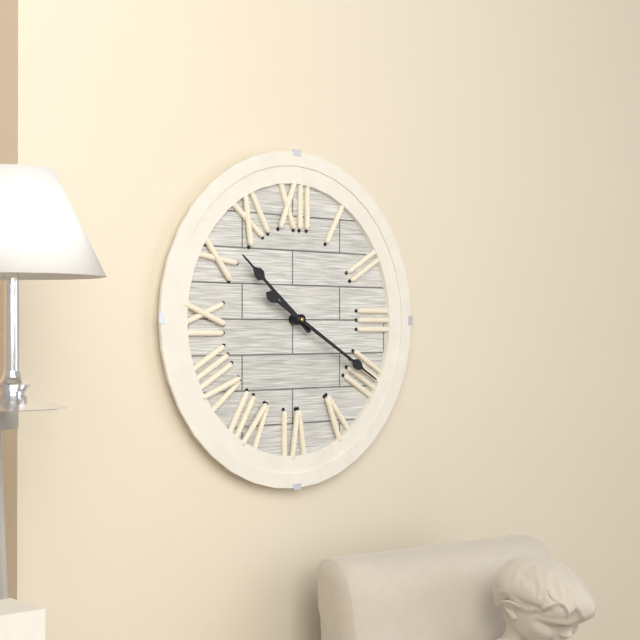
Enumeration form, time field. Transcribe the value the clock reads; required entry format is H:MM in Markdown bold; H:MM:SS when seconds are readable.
**10:20**
